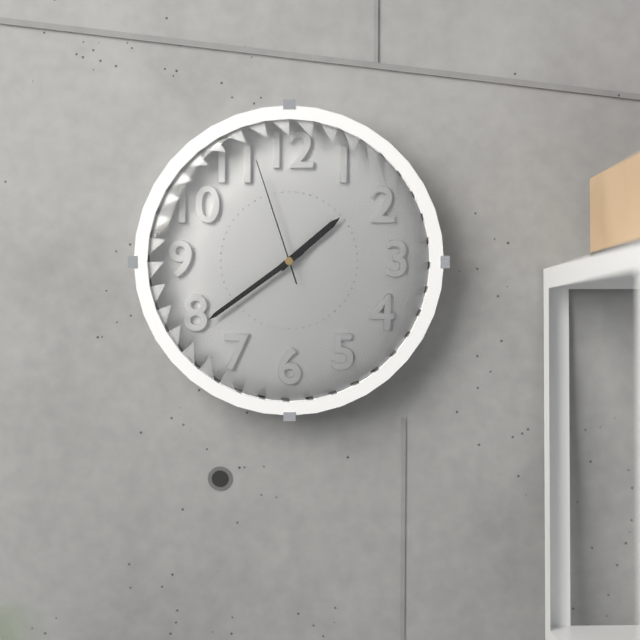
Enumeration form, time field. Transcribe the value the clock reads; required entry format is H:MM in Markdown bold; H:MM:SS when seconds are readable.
**1:39:57**
